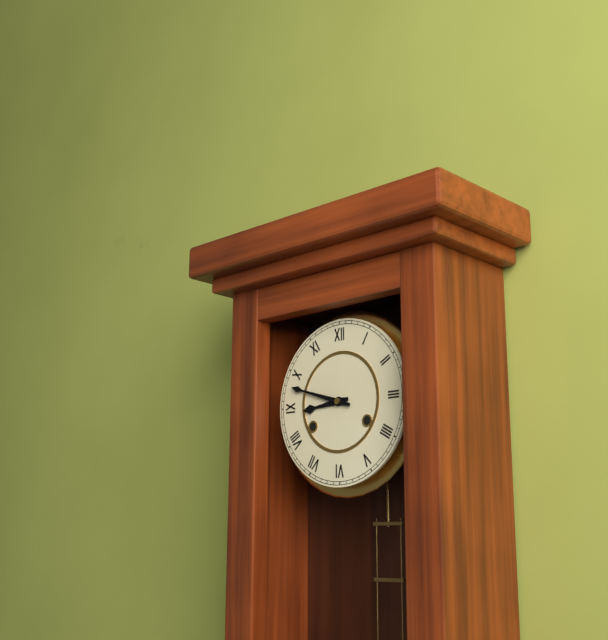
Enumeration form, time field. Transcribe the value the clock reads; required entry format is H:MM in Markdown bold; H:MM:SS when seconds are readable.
**8:48**
